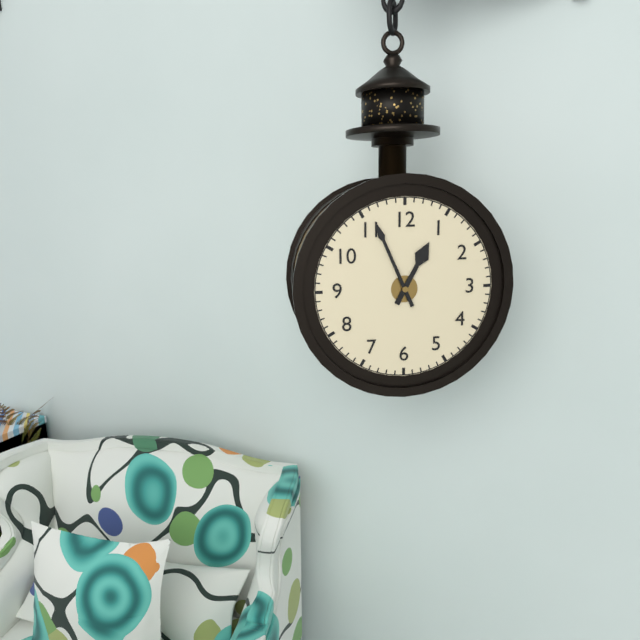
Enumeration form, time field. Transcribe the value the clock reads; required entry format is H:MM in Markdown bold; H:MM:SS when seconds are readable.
**12:56**
